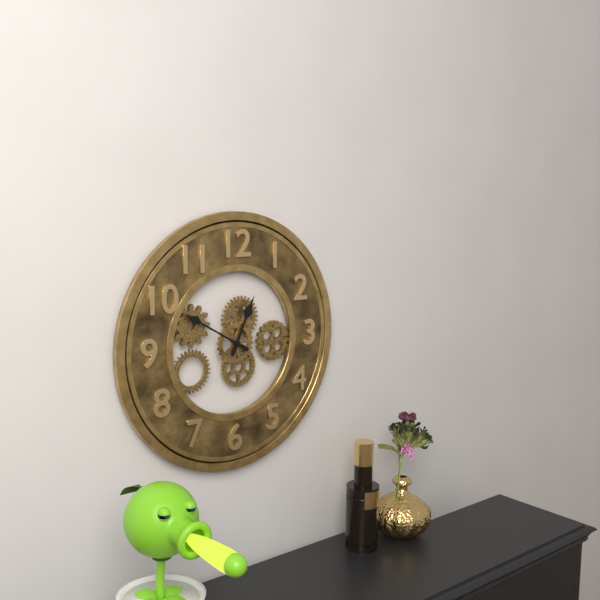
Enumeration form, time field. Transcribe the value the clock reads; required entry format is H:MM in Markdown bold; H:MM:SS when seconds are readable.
**12:50**
